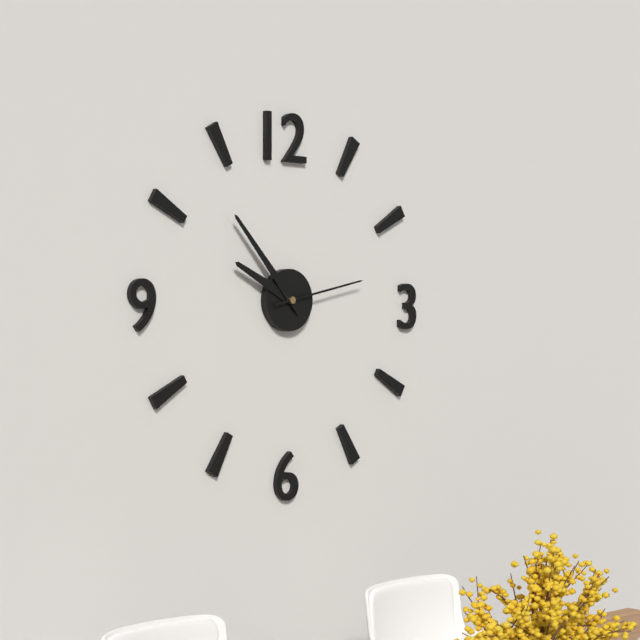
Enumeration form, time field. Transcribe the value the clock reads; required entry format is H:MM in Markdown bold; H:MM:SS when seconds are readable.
**9:53:13**
